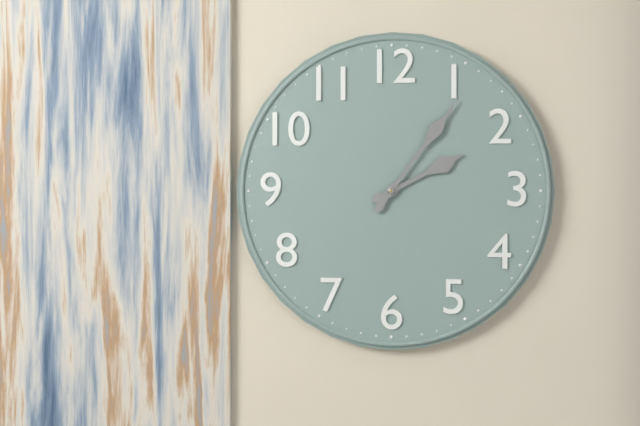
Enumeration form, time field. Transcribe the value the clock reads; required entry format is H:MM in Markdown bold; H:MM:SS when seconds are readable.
**2:06**
